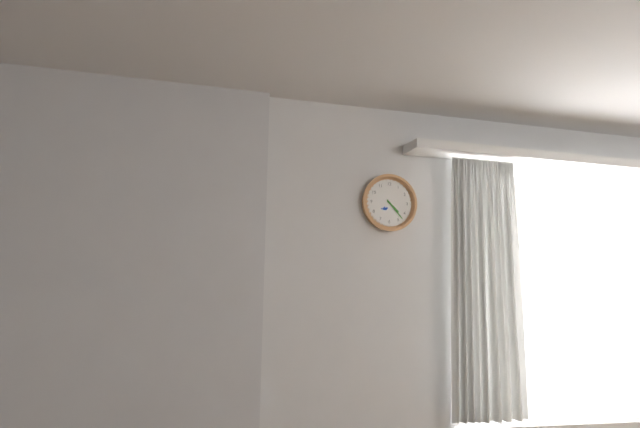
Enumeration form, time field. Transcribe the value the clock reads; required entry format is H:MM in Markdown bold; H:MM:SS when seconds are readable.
**4:23**
